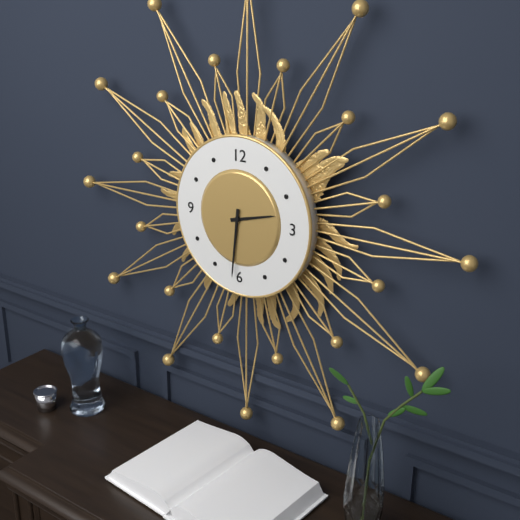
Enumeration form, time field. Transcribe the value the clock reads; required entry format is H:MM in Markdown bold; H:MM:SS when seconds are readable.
**2:31**
